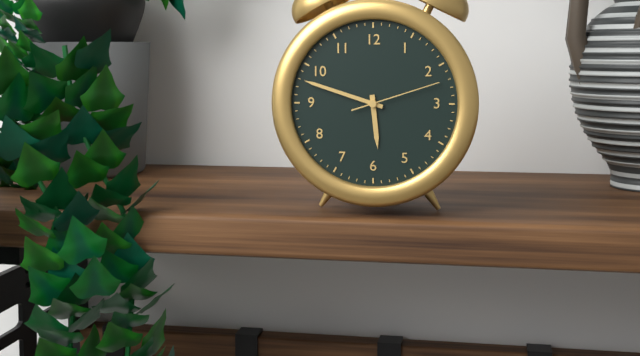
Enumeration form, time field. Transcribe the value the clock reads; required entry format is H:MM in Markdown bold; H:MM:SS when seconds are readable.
**5:48:12**
